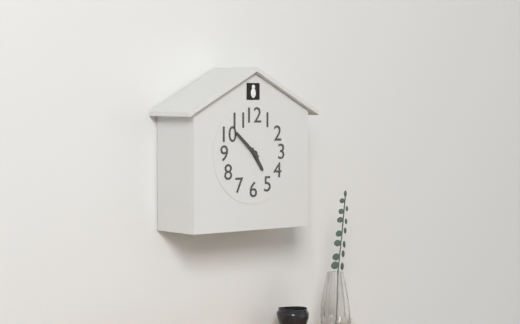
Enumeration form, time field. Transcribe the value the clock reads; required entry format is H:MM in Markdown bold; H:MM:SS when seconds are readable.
**4:52**
